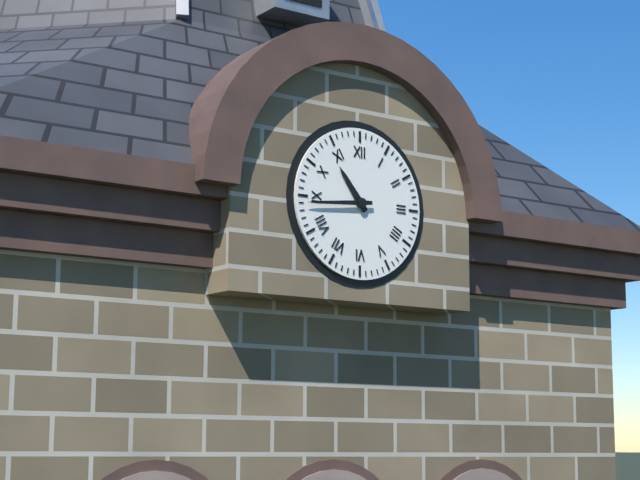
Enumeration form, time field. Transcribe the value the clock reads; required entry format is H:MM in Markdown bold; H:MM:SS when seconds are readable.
**10:44**
